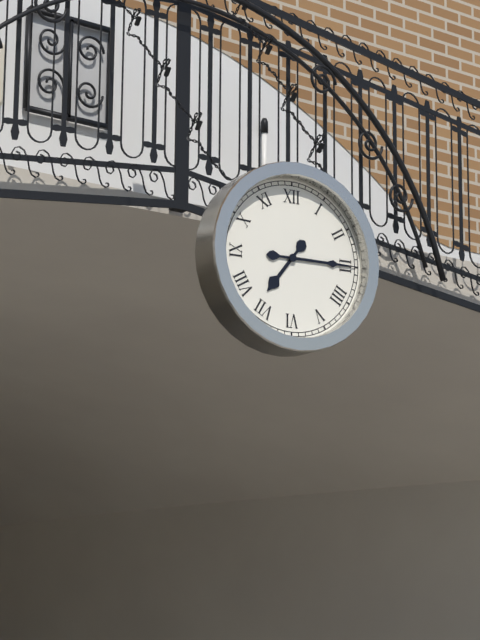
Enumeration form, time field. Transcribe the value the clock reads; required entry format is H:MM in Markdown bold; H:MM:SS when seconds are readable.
**7:15**
